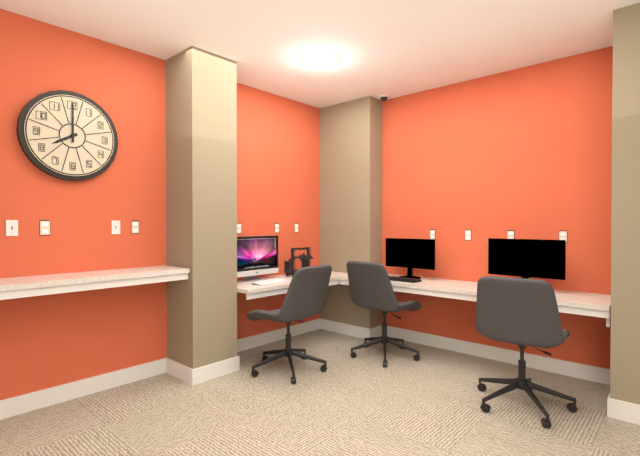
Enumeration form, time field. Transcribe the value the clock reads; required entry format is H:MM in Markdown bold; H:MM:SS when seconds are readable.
**8:00**
